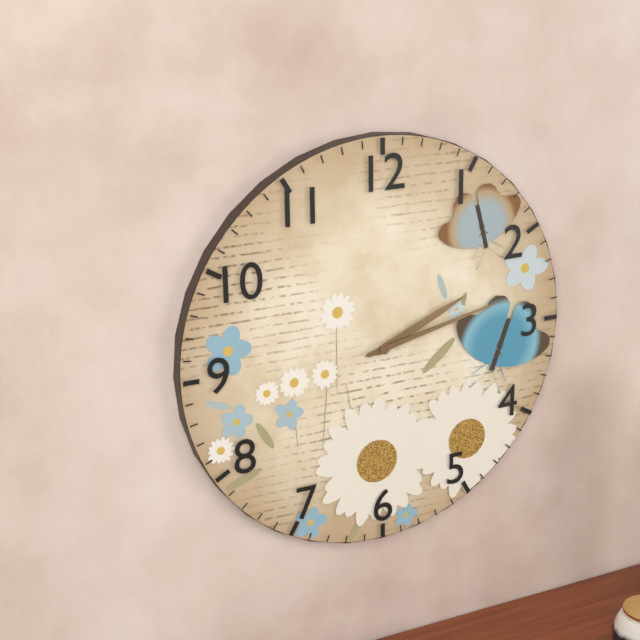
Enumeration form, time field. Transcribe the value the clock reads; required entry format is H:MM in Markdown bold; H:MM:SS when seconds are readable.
**2:13**
